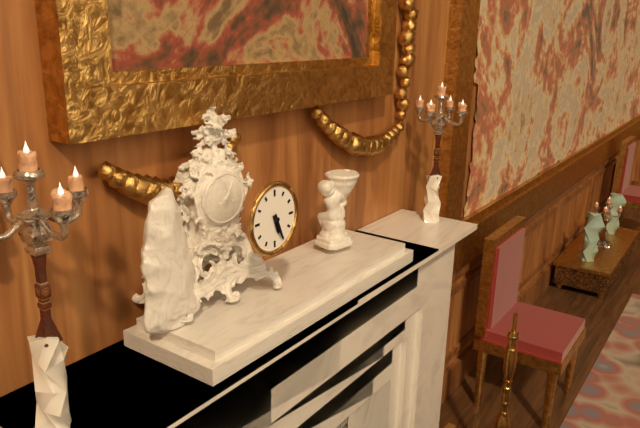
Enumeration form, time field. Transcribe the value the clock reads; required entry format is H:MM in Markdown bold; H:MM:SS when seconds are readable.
**5:26**
